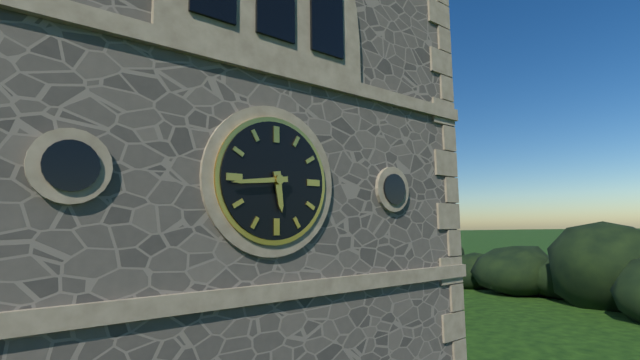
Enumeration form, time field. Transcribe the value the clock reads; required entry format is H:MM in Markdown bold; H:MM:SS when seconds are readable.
**5:44**
